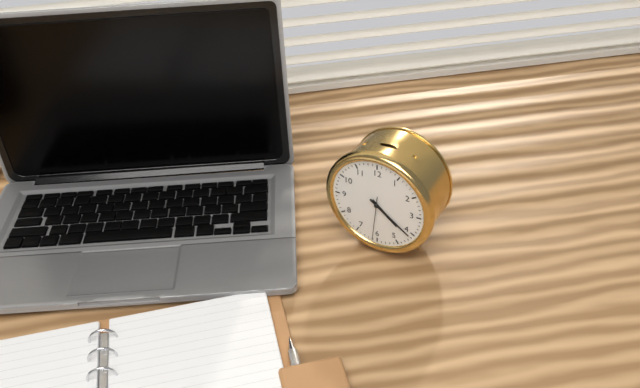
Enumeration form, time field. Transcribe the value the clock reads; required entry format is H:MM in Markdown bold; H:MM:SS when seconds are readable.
**4:21**
